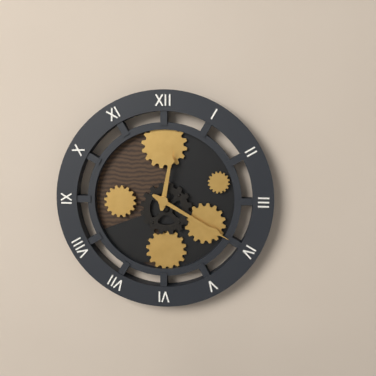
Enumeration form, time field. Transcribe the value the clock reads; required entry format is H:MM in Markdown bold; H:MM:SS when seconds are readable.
**12:20**
